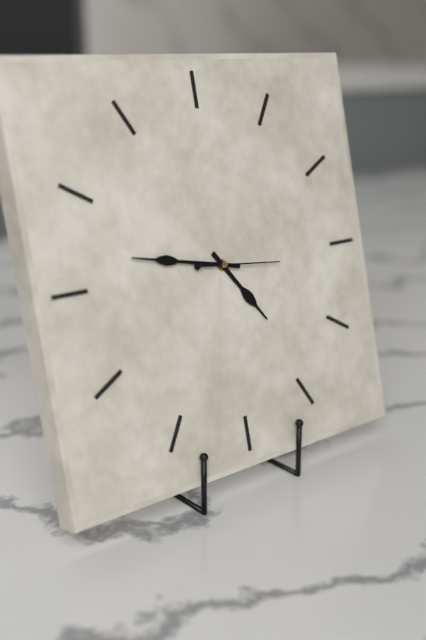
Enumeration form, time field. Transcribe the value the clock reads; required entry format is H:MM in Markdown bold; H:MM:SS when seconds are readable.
**4:47:16**
